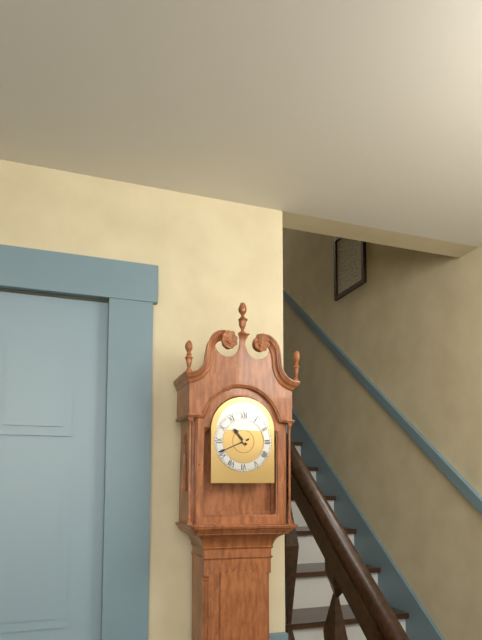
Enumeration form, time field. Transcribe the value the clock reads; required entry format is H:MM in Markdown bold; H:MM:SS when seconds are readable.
**10:41**
